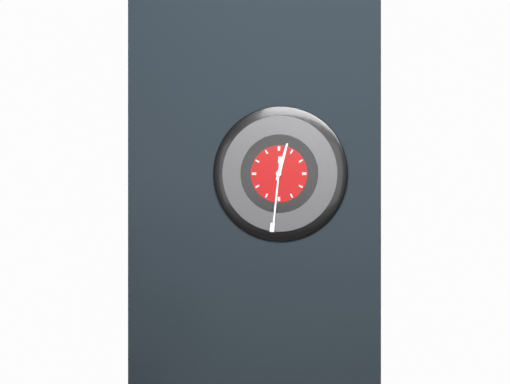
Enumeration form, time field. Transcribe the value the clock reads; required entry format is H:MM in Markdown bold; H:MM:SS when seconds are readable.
**12:31**
